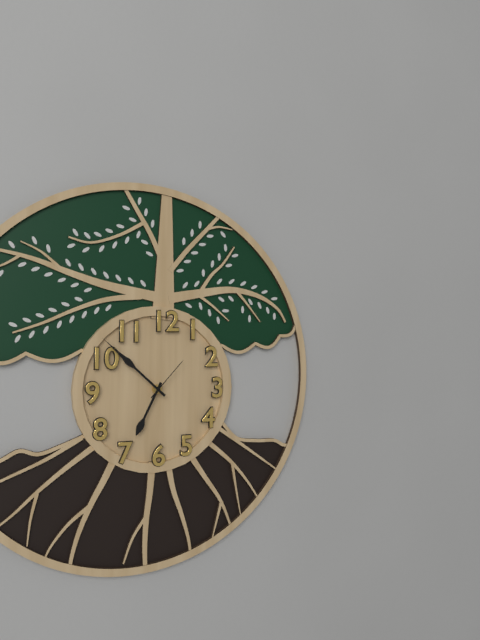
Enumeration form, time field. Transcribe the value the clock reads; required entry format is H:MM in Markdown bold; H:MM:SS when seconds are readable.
**6:52**
